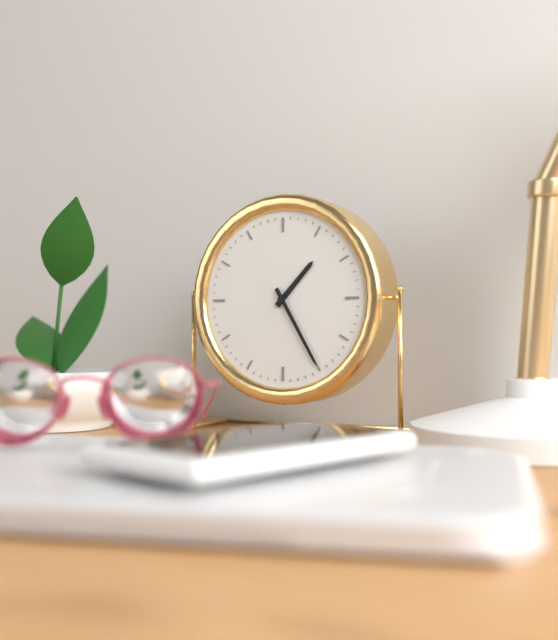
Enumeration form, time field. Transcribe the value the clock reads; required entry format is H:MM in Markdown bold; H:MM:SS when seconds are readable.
**1:25**
